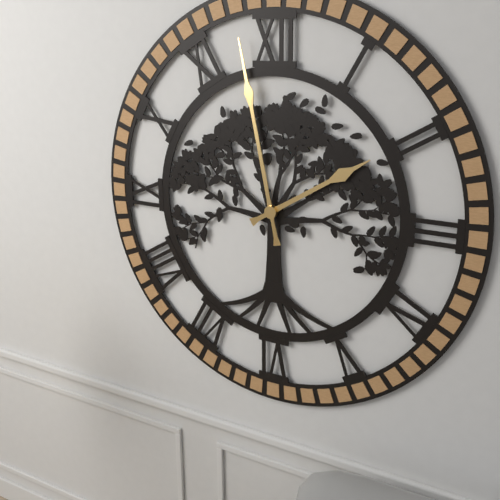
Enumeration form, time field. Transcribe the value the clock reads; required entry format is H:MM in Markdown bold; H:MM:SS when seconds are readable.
**1:58**
